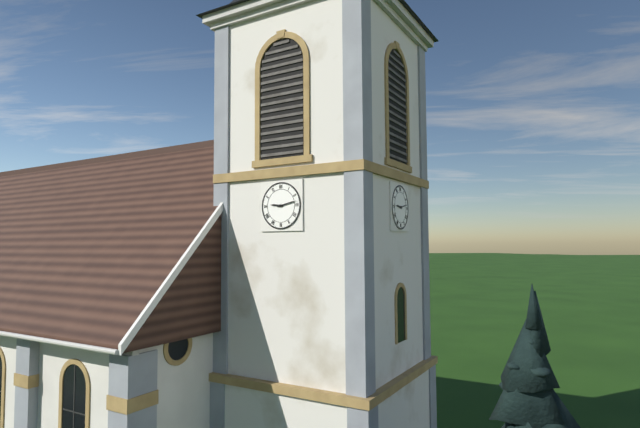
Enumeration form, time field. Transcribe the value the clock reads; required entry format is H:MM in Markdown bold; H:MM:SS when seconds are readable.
**9:13**
